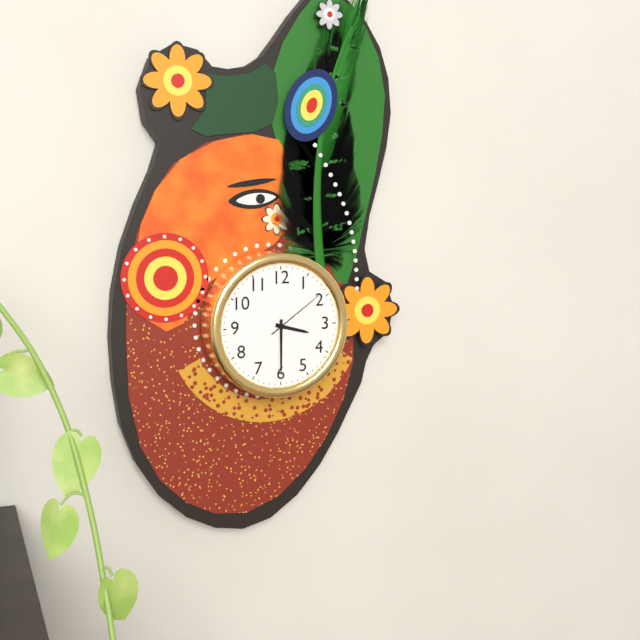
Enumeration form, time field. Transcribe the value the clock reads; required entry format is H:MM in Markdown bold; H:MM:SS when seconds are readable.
**3:30:09**
